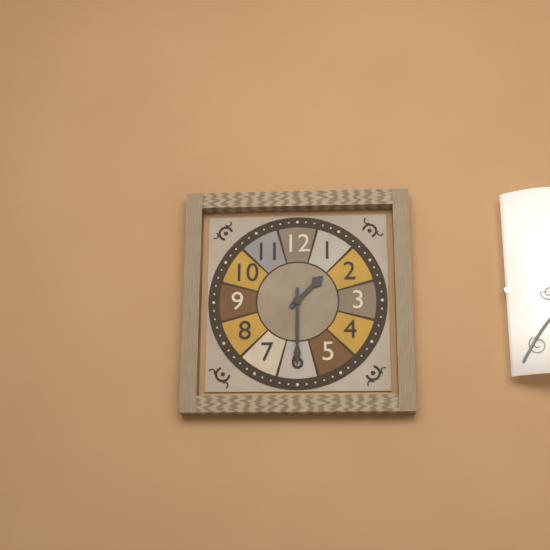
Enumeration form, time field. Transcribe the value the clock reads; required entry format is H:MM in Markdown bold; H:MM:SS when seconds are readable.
**1:30**
